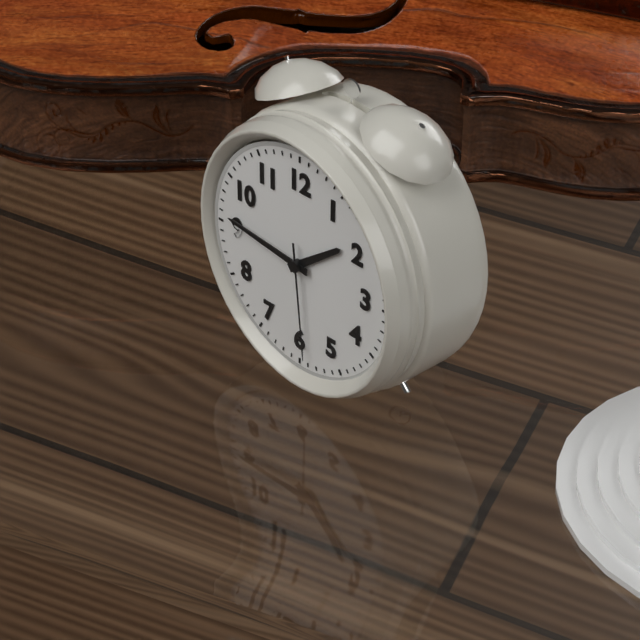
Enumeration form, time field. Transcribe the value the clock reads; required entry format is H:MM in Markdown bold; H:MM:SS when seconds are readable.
**1:46:29**
